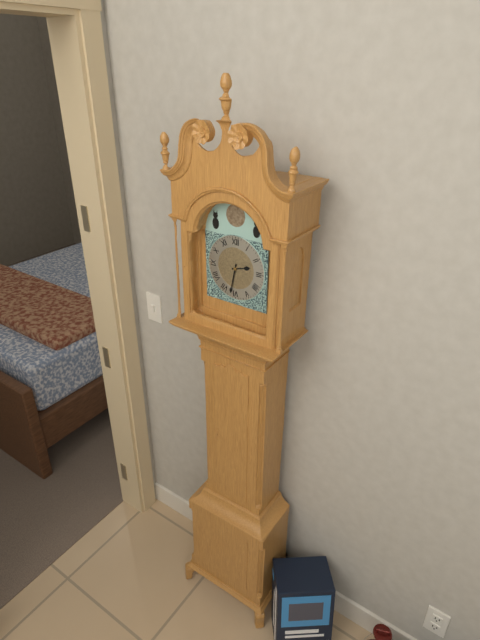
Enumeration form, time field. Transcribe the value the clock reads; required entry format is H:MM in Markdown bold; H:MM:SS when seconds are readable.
**2:32**
